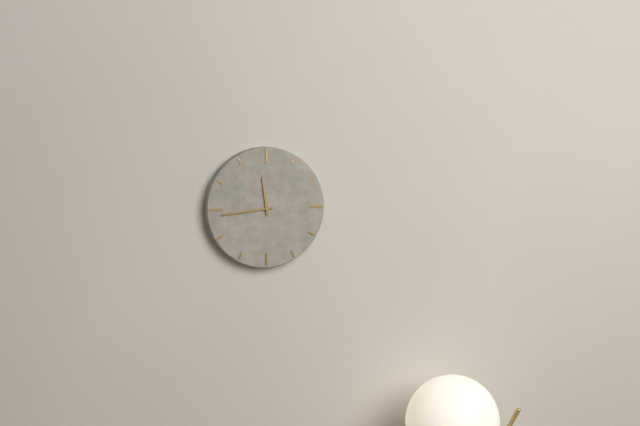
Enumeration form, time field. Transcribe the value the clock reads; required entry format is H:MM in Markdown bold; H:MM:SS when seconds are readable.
**11:44**
